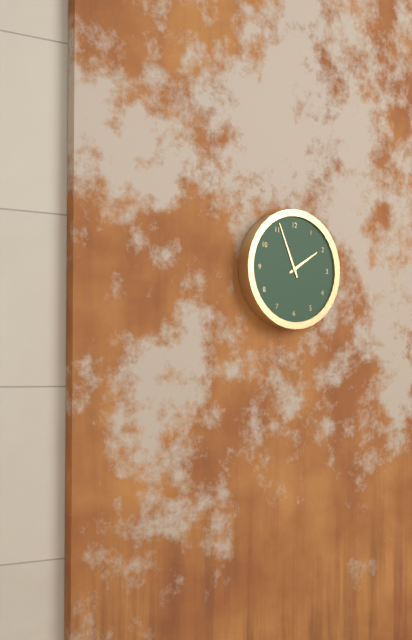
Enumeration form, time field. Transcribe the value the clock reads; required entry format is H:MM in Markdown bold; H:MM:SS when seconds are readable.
**1:56**
